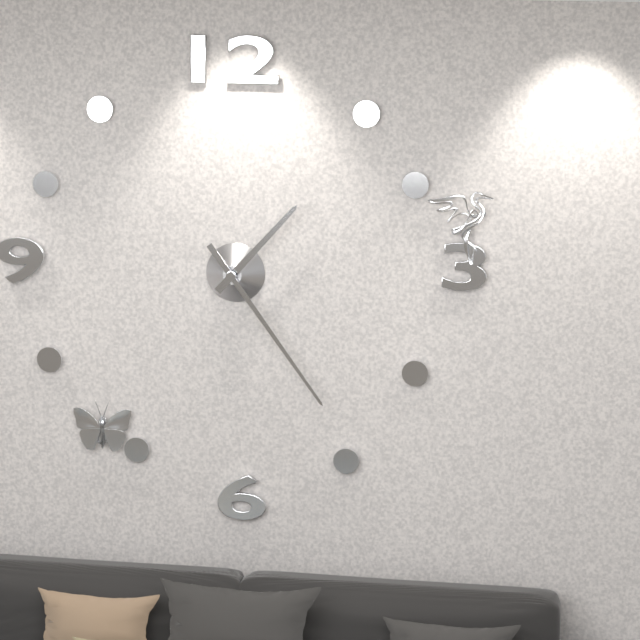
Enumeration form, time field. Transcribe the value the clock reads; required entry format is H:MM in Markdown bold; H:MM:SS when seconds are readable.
**1:24**
